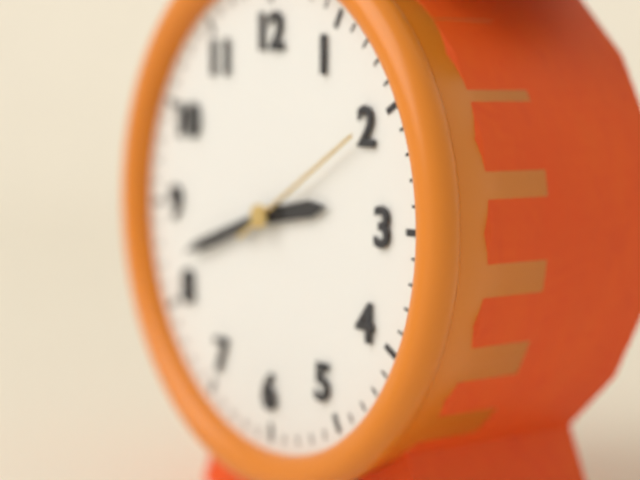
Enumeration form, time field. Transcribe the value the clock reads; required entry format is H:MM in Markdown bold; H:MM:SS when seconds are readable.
**2:42:10**
